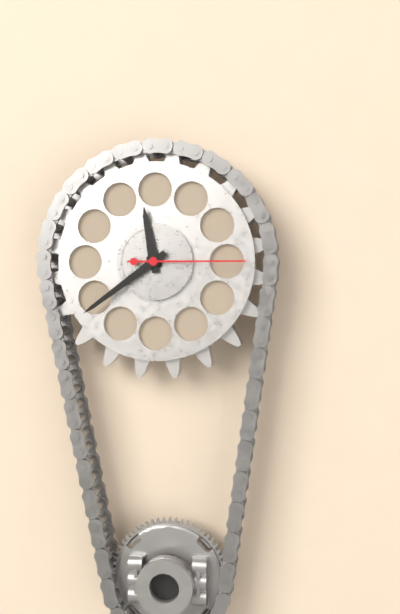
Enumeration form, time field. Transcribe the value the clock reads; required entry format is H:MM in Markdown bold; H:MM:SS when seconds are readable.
**11:39:15**
